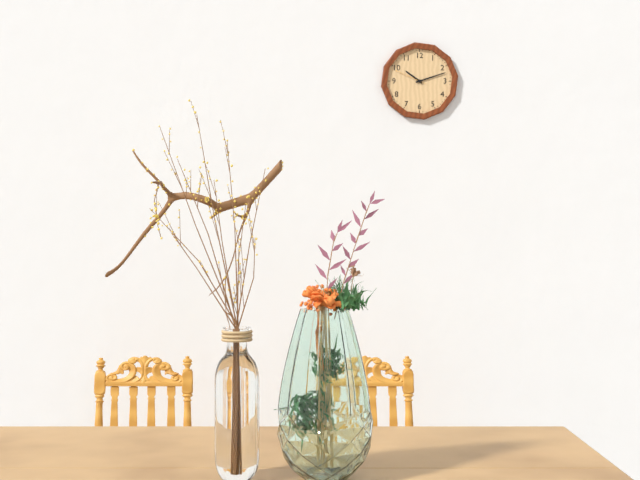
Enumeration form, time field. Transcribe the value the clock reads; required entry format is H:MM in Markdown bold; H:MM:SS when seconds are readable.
**10:12**
